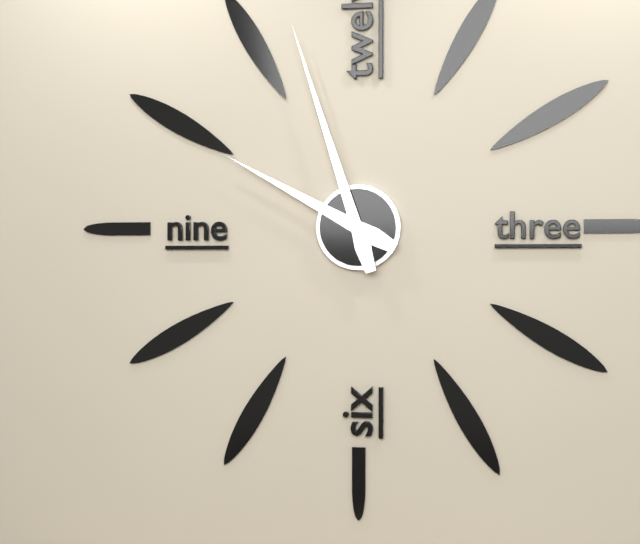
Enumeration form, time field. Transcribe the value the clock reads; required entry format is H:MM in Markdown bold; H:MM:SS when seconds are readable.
**9:57**
